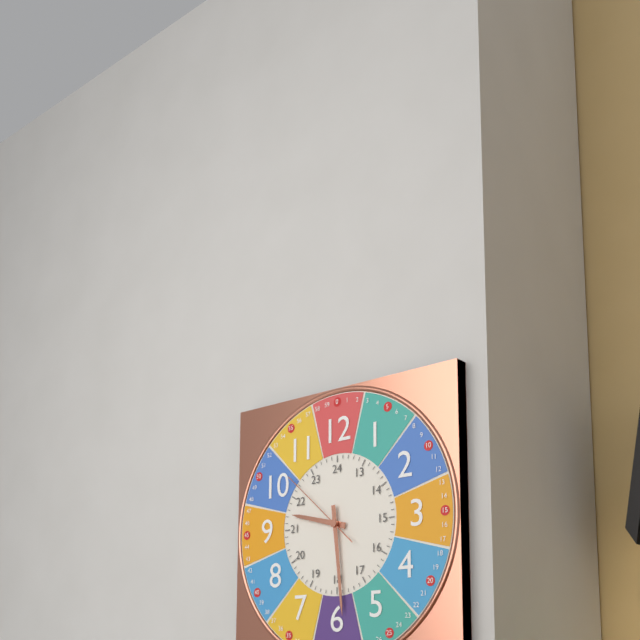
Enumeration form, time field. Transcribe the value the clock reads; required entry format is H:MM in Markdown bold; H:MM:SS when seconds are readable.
**9:29:52**
